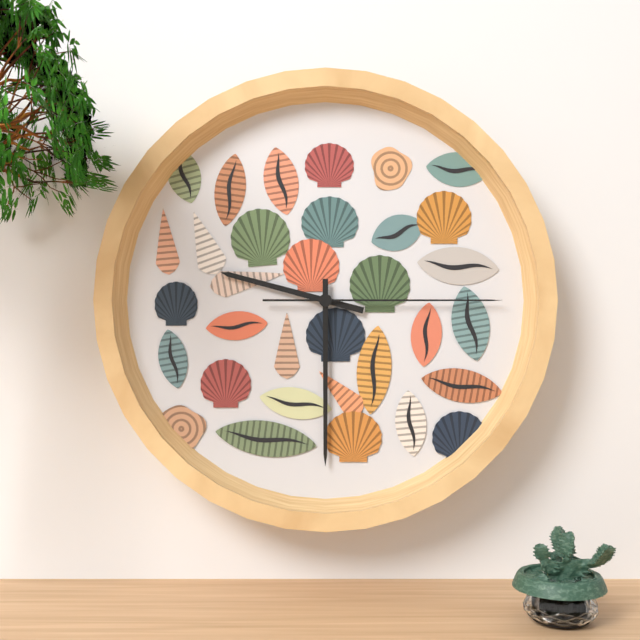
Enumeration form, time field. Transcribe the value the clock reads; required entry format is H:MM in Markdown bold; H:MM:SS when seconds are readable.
**9:30:15**
